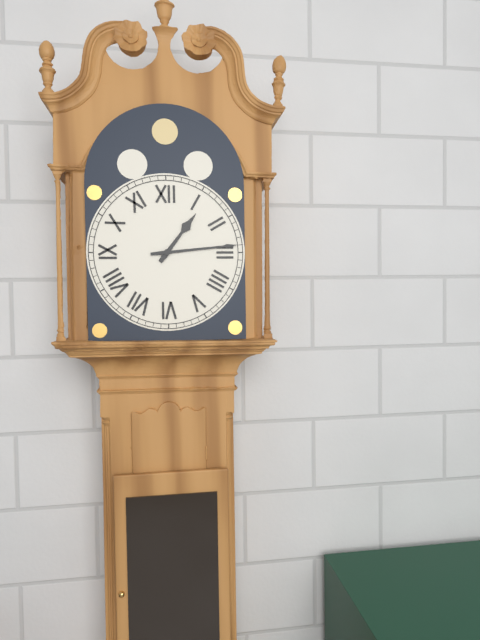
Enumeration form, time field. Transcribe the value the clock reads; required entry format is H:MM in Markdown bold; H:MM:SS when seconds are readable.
**1:14**
